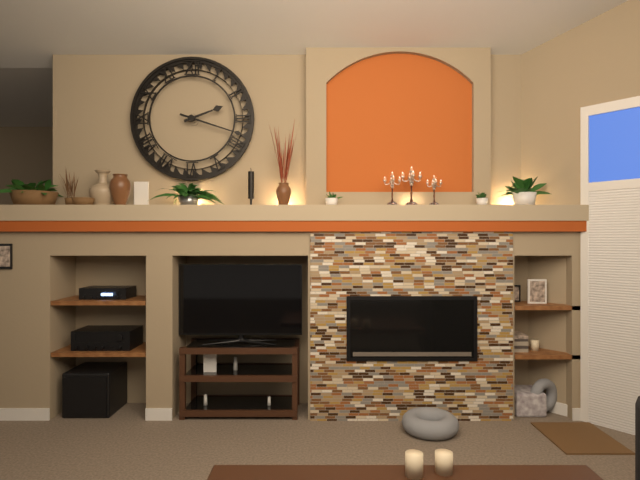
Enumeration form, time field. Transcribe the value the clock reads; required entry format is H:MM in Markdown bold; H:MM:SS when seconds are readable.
**2:18**
